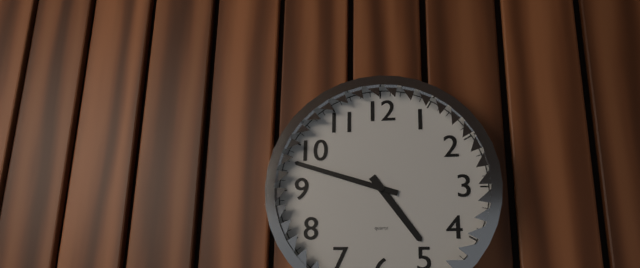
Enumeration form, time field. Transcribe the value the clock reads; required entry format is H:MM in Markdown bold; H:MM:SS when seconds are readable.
**4:48**
